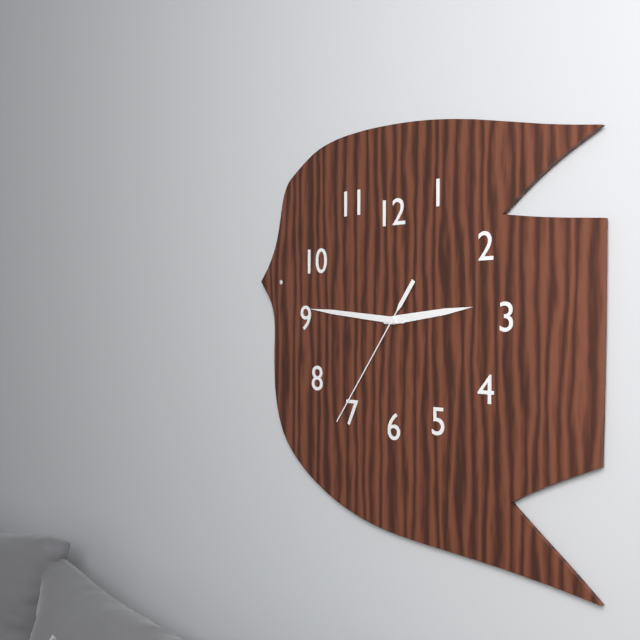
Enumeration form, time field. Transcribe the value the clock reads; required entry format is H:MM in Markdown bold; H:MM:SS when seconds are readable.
**2:46:36**
